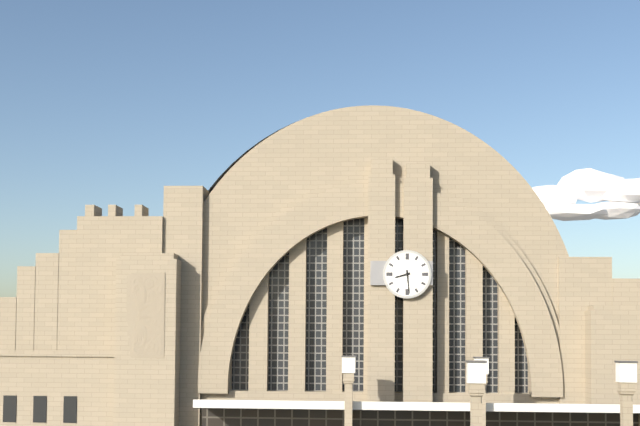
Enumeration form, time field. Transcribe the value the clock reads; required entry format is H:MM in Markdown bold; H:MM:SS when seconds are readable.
**8:29**
